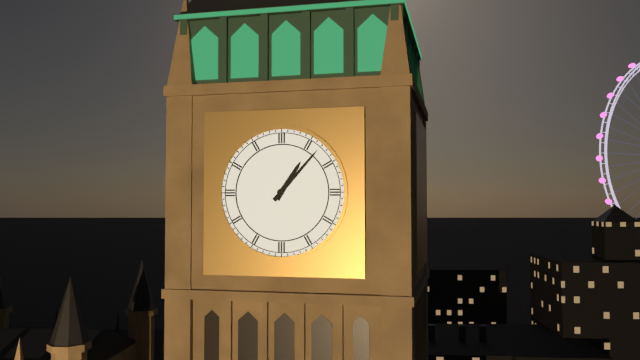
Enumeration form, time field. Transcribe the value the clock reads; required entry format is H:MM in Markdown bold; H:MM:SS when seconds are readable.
**1:07**
